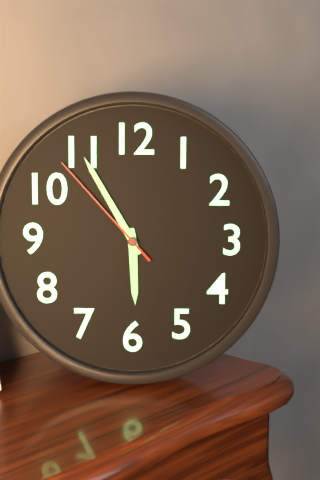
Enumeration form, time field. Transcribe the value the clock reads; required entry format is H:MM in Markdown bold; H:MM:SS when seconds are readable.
**5:55:53**
